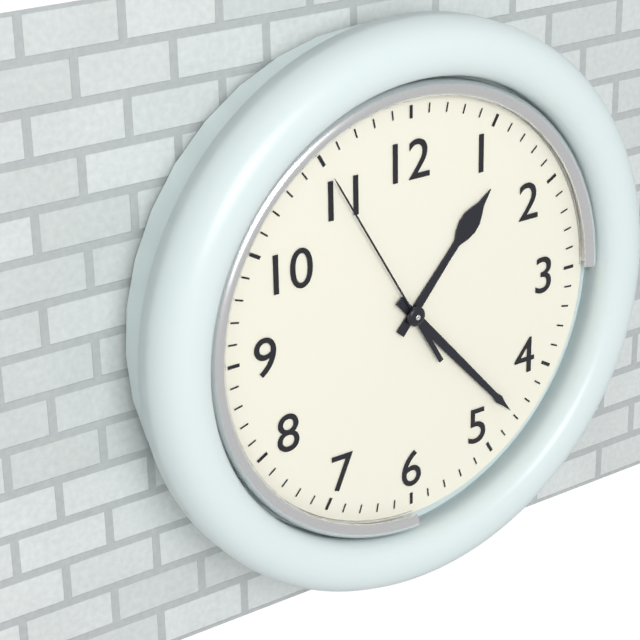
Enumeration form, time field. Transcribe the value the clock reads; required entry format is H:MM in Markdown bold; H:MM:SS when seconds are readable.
**1:23:55**
